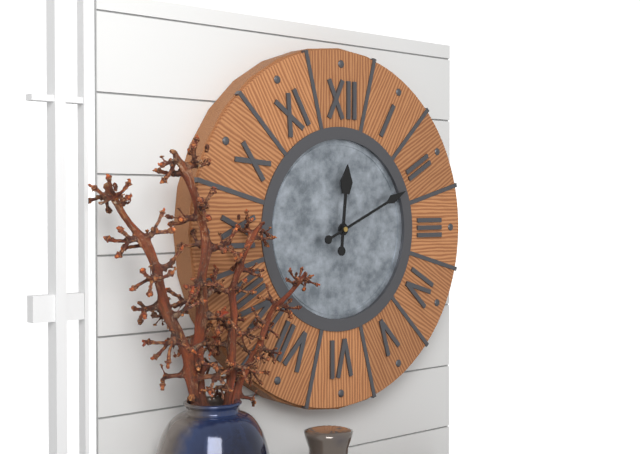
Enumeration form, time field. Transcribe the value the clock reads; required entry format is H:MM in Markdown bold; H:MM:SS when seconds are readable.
**12:11**
